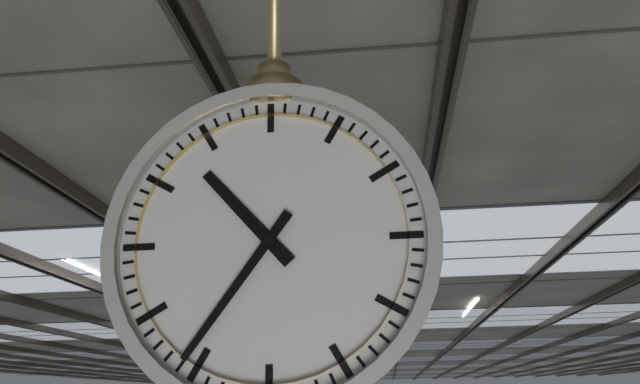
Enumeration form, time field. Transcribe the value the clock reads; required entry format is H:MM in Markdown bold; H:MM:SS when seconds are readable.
**10:36**
